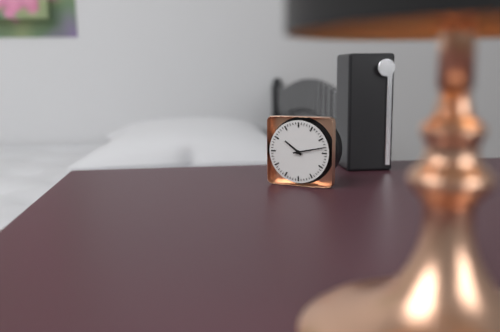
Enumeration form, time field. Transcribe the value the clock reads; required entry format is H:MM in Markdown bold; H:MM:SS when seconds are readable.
**10:13**
